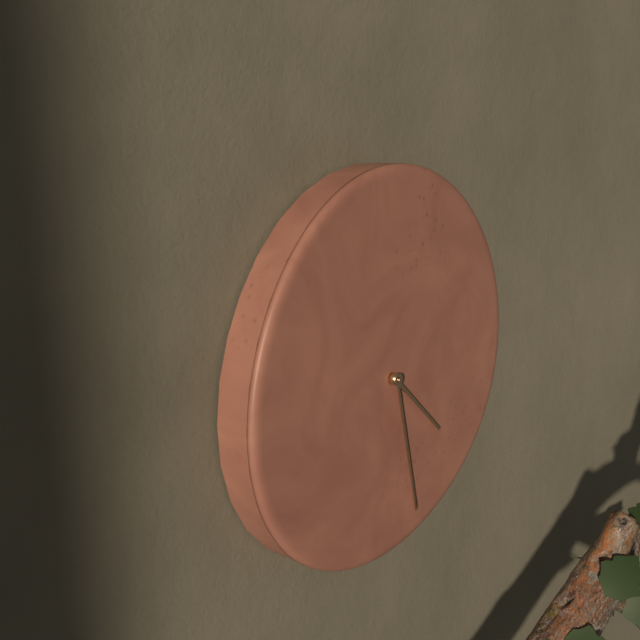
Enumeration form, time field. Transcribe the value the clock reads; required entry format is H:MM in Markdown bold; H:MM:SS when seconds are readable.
**4:28**
